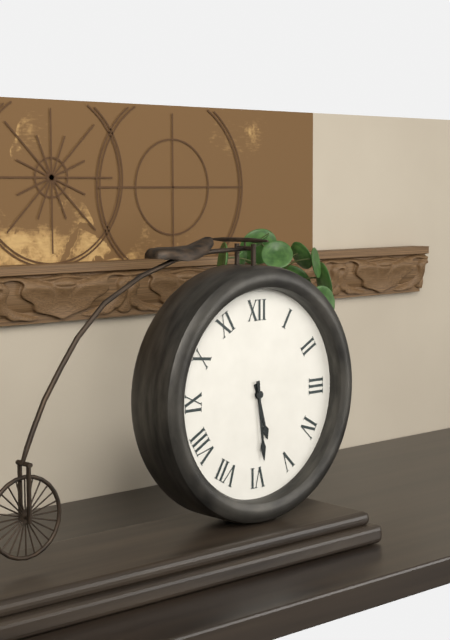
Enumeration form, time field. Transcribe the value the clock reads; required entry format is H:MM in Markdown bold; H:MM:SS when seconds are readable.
**5:29**
